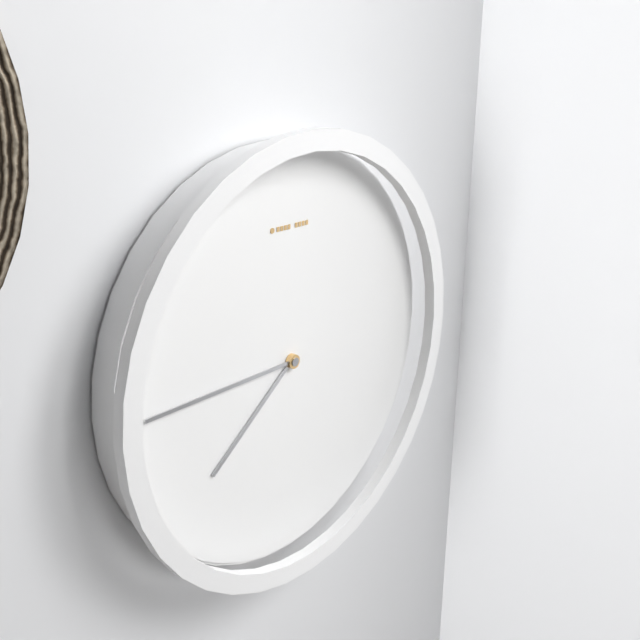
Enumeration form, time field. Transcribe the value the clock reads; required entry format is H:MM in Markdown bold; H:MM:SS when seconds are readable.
**7:45**
